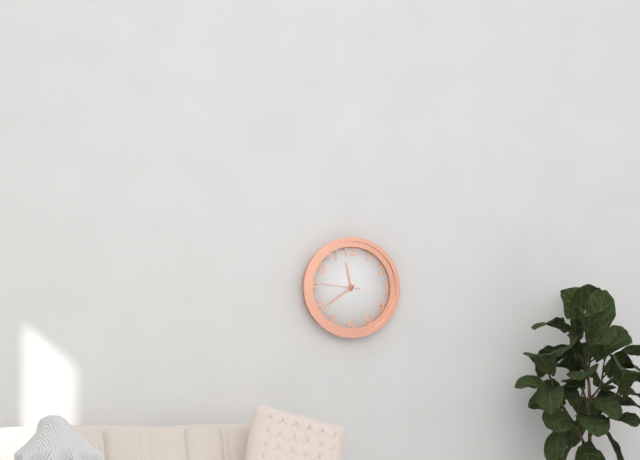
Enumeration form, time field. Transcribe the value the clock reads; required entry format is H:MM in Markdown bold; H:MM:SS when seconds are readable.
**11:39**
